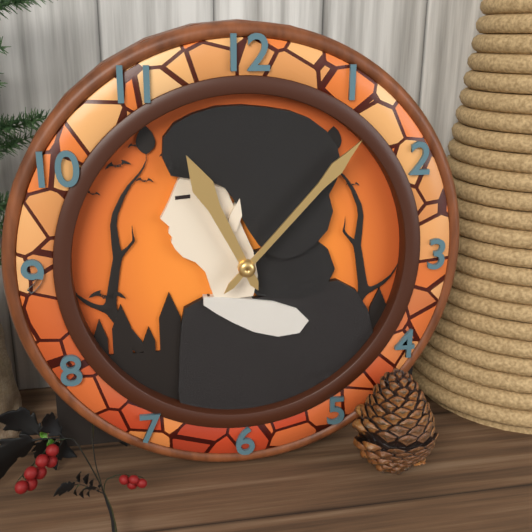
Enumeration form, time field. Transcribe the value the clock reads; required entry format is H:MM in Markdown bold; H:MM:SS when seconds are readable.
**11:07**
